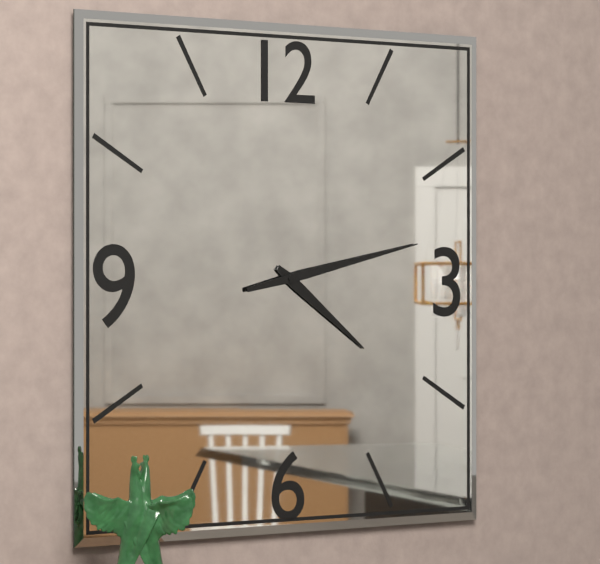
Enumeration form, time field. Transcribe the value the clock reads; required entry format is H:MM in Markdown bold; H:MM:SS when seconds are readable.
**4:13**
